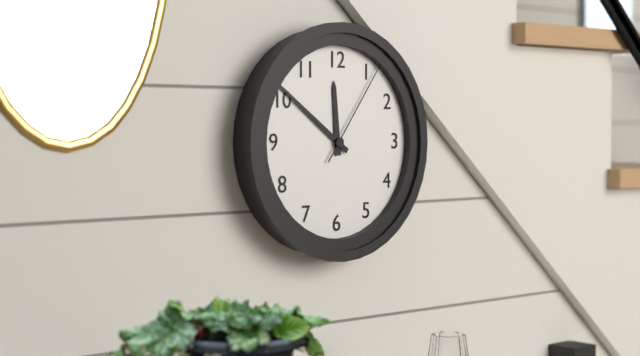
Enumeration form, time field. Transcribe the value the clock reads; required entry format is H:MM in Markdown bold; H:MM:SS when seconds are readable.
**11:51:06**
